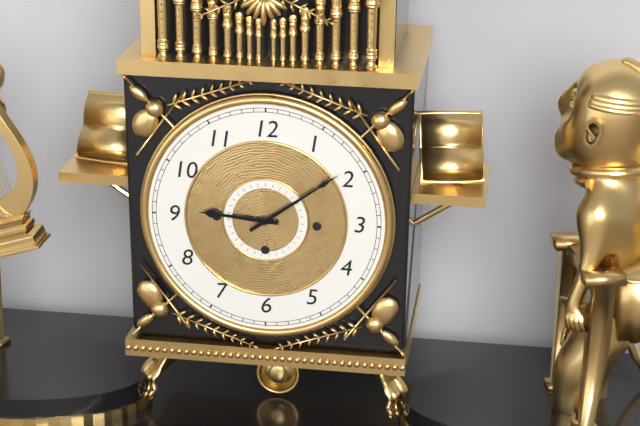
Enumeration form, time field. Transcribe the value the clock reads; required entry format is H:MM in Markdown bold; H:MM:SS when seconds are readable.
**9:09**
